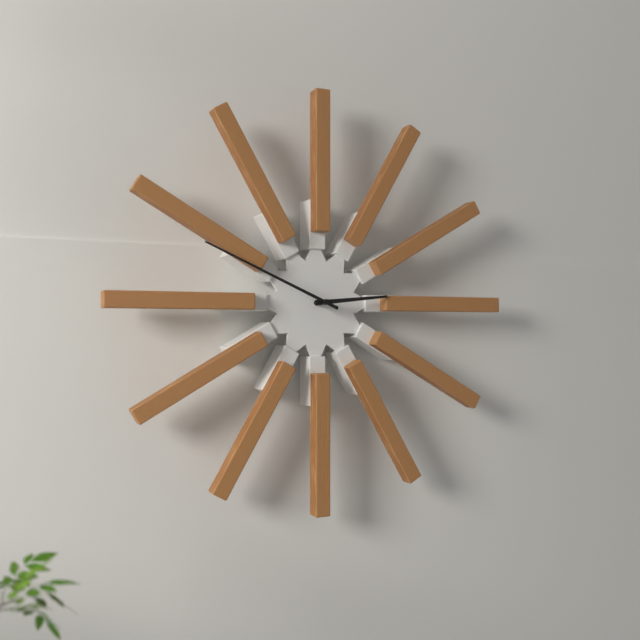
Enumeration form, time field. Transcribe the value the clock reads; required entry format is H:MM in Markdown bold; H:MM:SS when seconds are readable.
**2:49**
